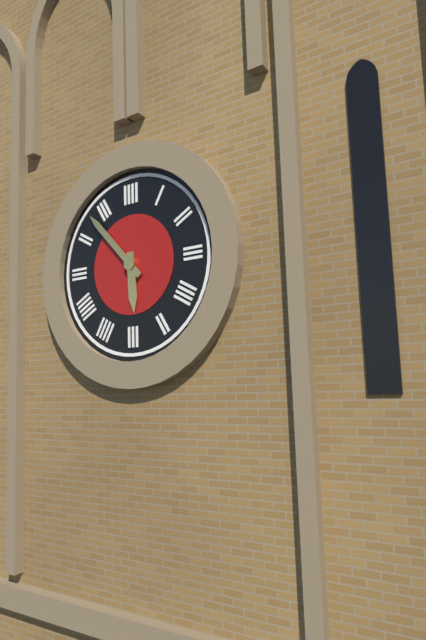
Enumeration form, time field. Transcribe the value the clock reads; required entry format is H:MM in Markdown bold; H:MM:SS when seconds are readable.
**5:53**
